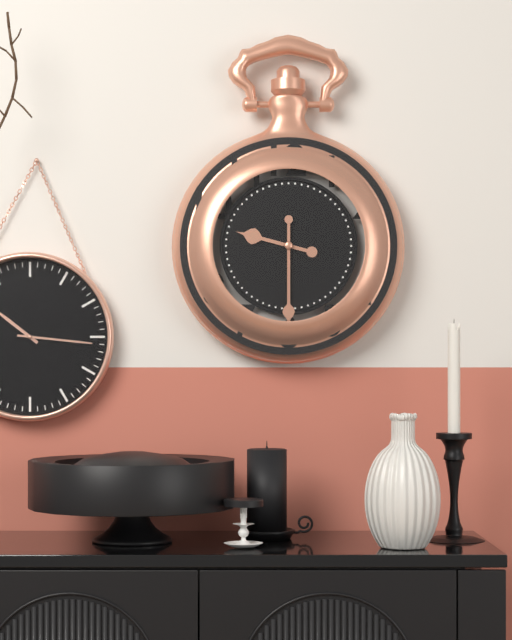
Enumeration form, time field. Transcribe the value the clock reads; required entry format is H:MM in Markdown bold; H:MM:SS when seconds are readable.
**9:30**
